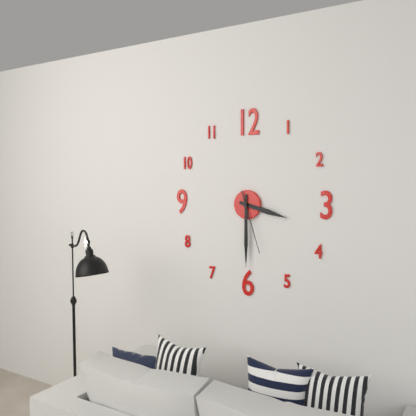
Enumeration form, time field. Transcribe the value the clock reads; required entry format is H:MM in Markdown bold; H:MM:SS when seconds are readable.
**3:30:27**
